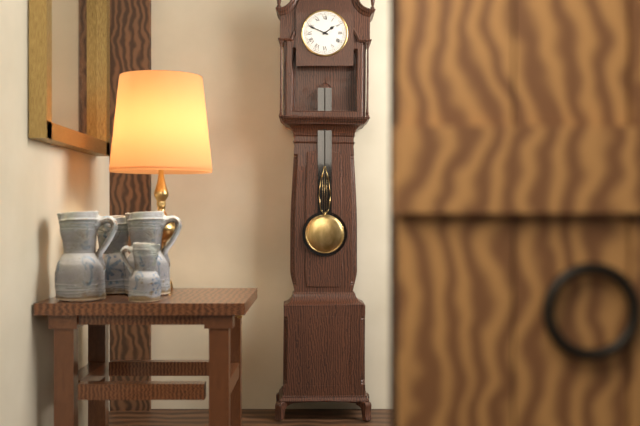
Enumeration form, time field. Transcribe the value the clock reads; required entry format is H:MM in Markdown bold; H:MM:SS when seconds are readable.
**1:49**
